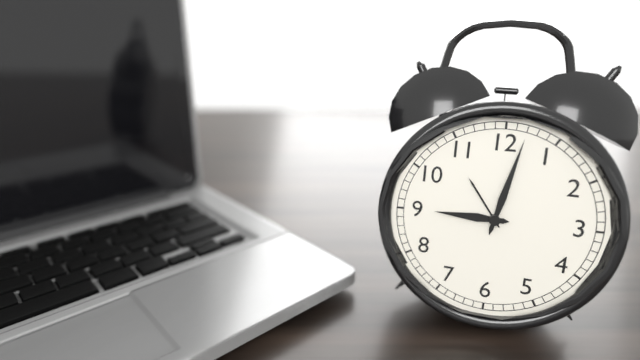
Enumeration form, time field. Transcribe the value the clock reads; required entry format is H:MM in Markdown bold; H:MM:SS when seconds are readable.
**9:02**
